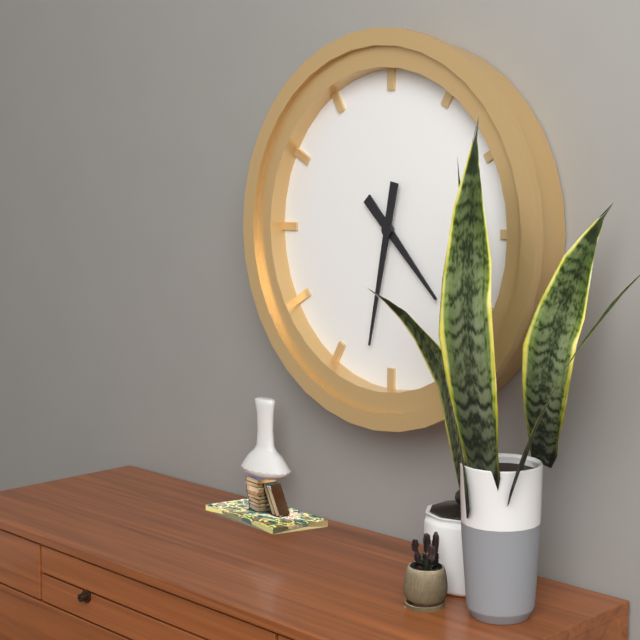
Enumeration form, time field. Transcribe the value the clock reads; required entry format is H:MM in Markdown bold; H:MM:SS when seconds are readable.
**4:32**
